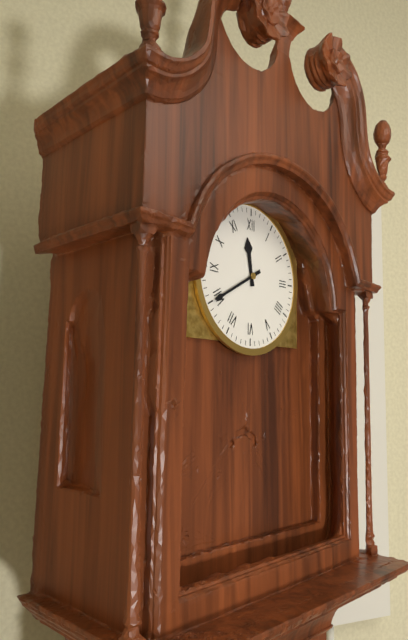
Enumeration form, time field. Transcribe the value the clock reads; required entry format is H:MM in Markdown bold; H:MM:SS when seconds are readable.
**11:40**
